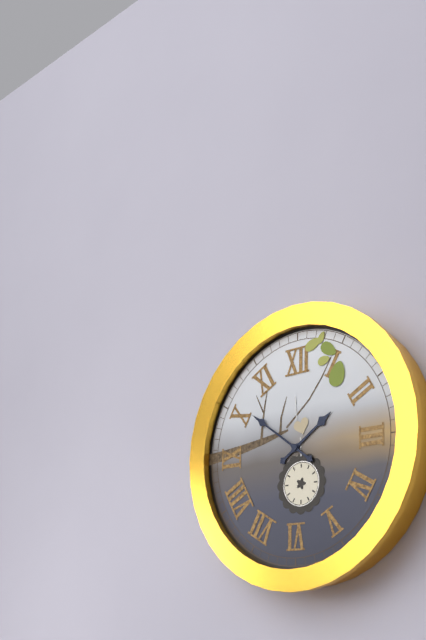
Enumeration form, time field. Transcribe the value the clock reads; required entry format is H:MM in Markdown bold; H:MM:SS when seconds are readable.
**1:51**
